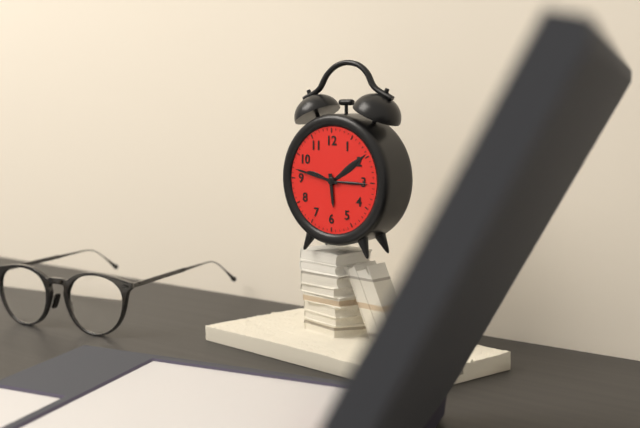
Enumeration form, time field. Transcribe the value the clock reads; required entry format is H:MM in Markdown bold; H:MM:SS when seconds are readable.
**5:47**
